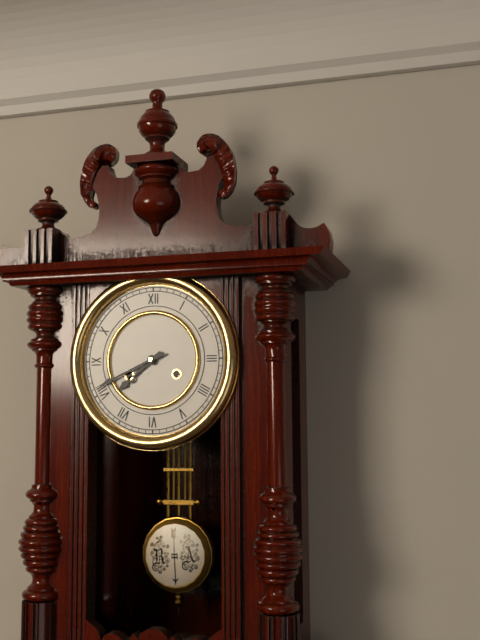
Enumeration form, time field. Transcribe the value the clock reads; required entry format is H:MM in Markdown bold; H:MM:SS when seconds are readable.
**7:41**
